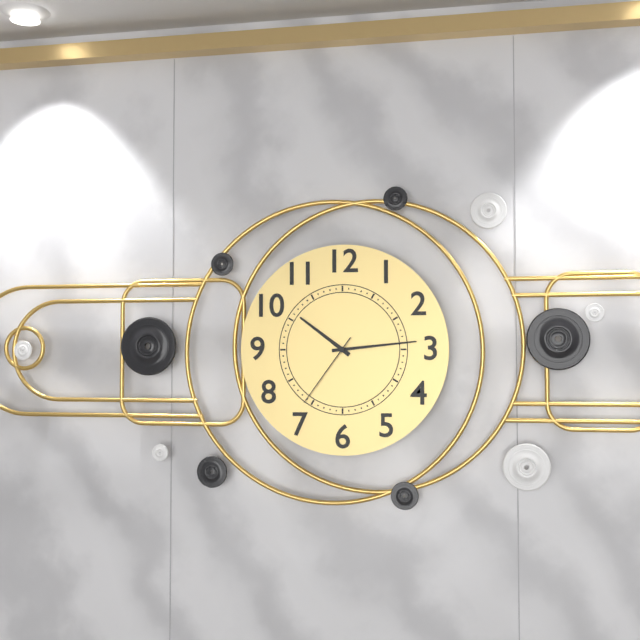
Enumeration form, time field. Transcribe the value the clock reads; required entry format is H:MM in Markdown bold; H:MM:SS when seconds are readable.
**10:14:36**
